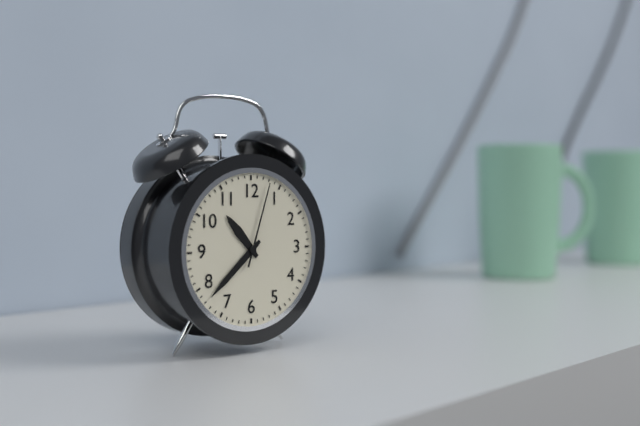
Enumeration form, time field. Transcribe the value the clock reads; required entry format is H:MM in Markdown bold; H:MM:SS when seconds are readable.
**10:38:03**
